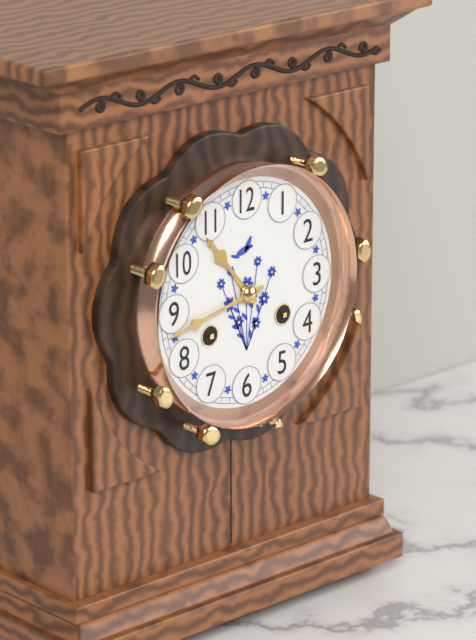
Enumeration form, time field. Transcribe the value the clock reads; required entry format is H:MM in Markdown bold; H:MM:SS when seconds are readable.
**10:43**
